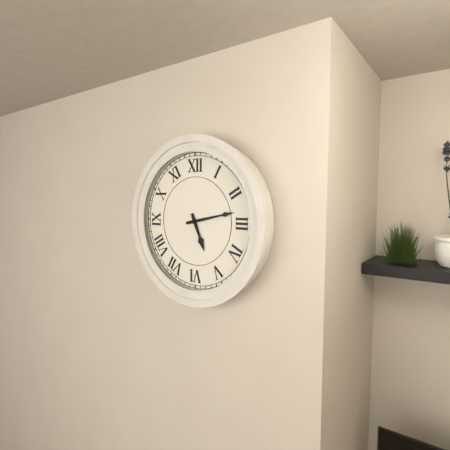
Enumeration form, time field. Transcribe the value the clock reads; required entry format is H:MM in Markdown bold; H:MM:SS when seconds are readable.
**5:13**
